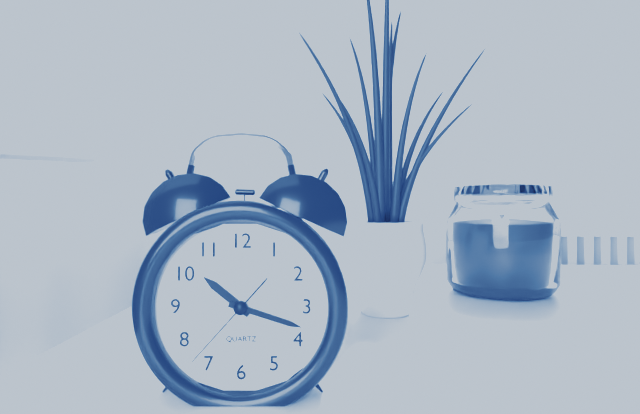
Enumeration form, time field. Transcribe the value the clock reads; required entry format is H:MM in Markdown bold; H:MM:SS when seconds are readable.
**10:18:37**
